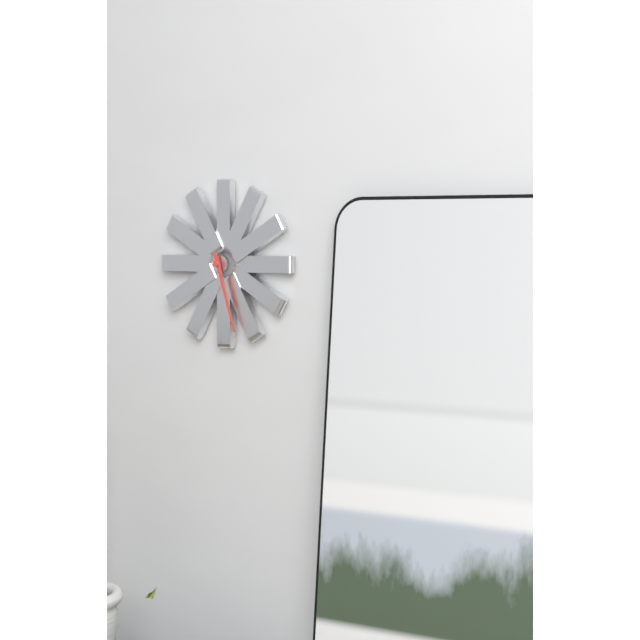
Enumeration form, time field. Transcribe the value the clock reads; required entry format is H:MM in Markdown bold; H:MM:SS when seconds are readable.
**5:27**
